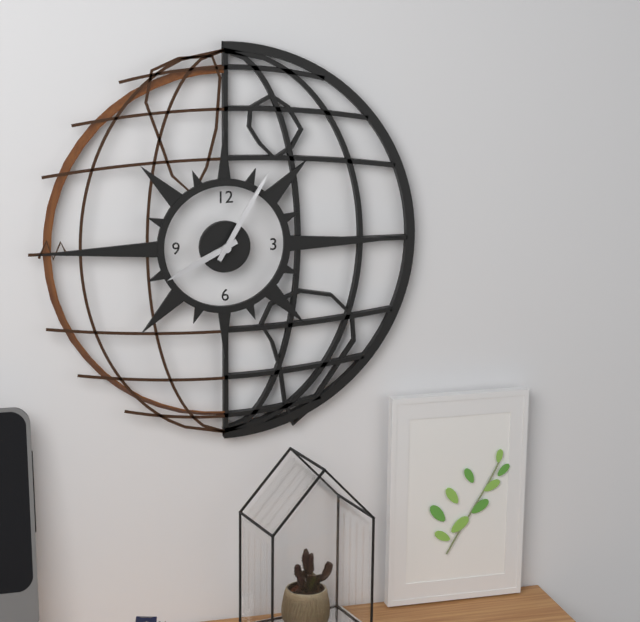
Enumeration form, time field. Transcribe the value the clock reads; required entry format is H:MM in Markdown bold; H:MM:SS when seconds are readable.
**8:05**
